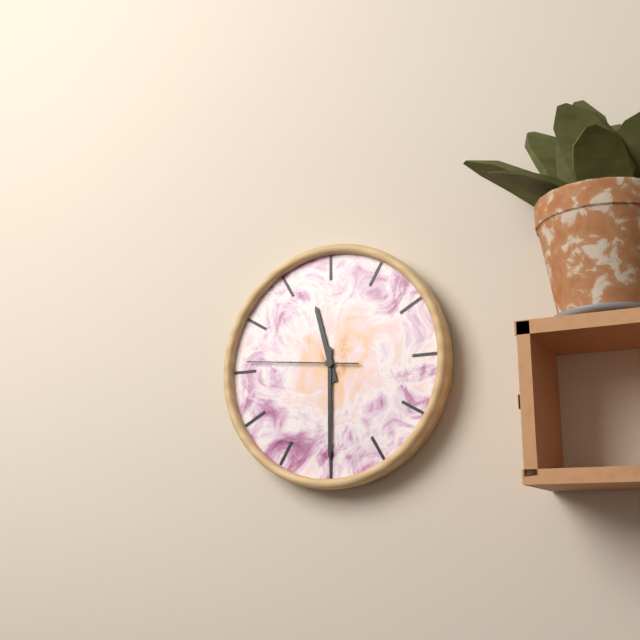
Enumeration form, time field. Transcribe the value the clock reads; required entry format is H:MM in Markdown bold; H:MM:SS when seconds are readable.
**11:30:46**
